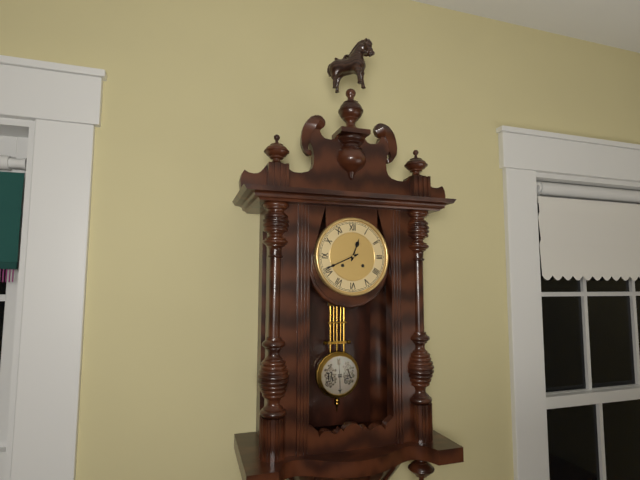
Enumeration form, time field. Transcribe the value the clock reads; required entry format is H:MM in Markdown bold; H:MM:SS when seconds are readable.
**12:41**
